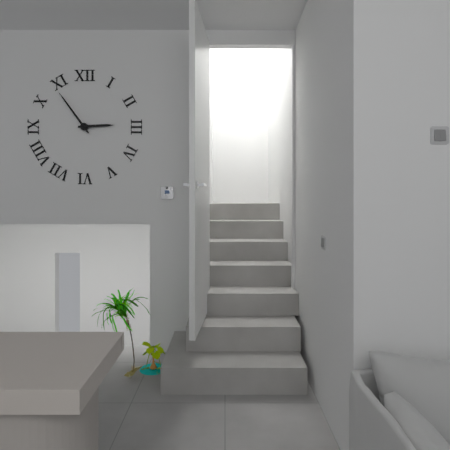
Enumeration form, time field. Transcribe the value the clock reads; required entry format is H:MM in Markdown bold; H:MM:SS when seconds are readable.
**2:54**
